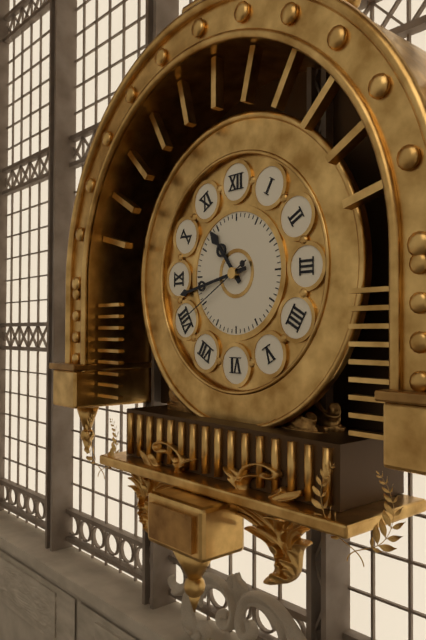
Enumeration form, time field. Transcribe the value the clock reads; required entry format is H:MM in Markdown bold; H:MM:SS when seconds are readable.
**10:43:40**
